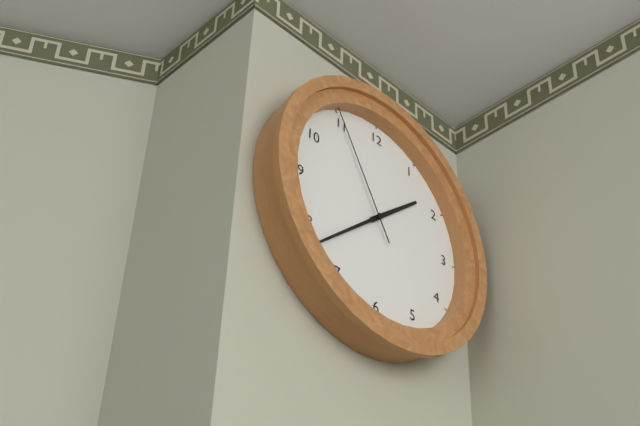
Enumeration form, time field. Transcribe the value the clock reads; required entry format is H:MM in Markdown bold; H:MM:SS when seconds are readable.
**1:38:55**
